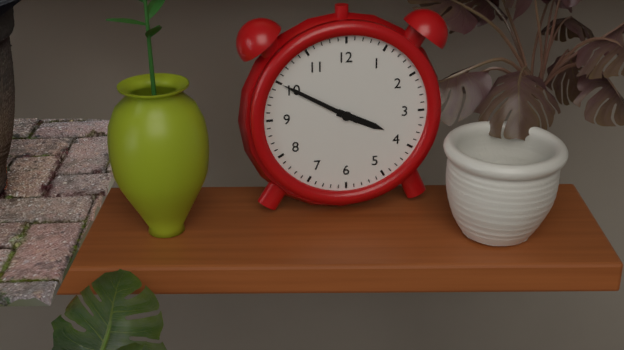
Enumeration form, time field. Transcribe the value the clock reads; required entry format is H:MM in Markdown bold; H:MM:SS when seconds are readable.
**3:50**
